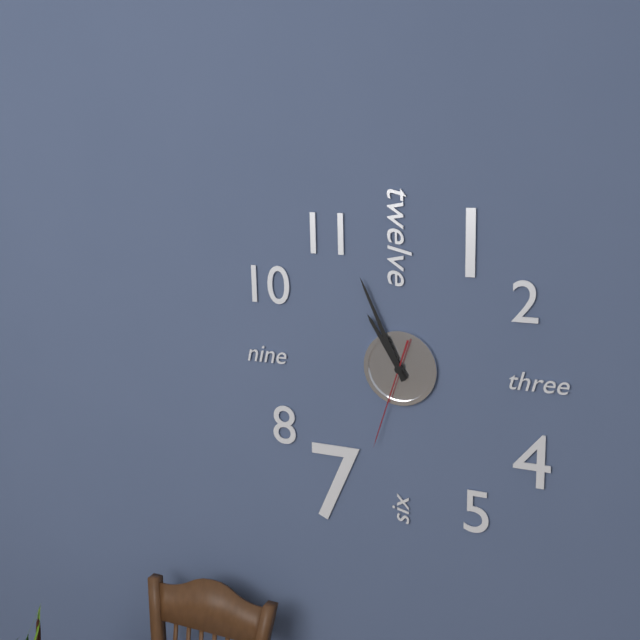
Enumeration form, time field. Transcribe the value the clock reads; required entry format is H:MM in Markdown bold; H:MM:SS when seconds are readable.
**10:56:33**
